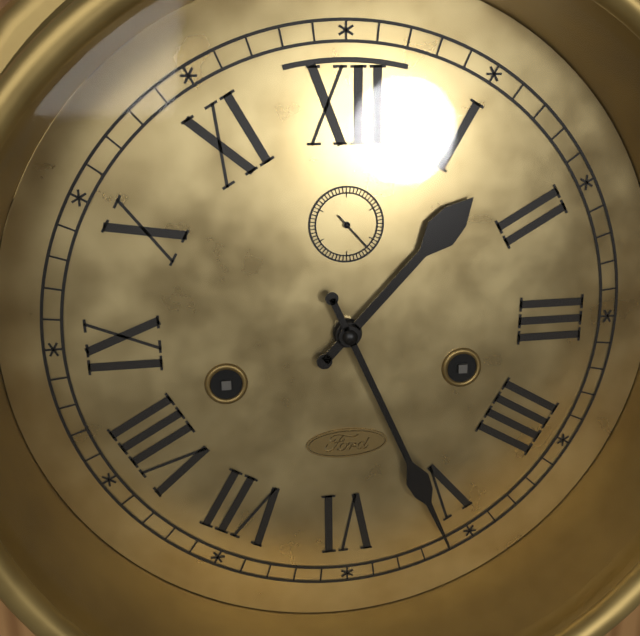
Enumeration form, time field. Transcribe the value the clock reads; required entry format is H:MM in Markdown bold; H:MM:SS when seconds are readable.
**1:26**
